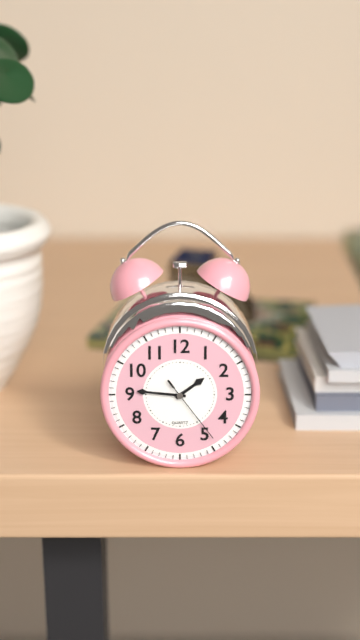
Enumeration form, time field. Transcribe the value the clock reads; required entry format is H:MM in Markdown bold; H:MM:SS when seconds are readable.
**1:46:24**
